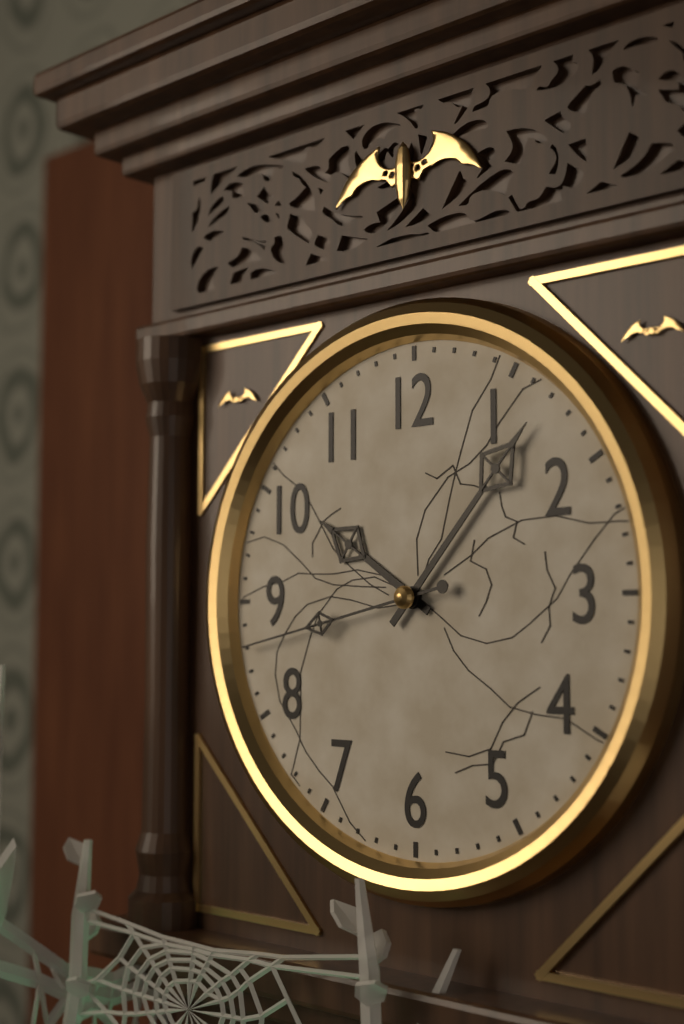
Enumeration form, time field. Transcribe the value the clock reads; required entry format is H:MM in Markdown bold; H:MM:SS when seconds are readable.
**10:07:43**
